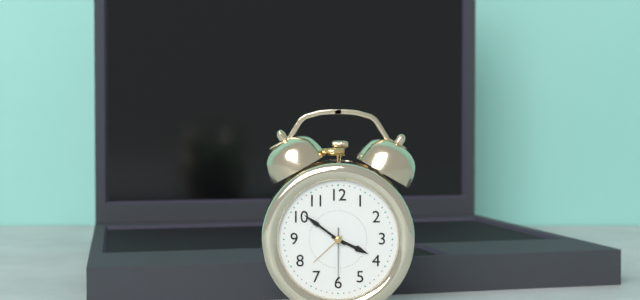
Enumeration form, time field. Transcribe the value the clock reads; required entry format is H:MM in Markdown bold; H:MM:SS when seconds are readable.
**3:51:30**
